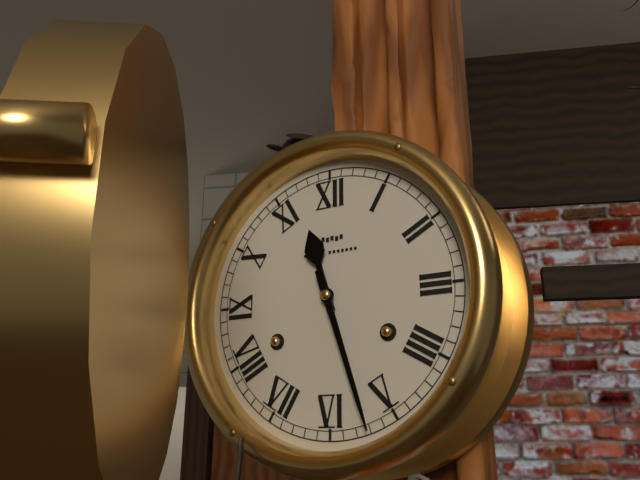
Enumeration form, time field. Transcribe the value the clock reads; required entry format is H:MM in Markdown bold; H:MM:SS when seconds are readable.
**11:27**
